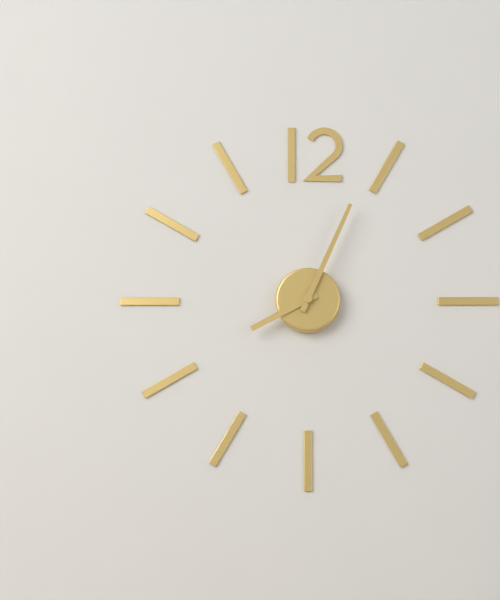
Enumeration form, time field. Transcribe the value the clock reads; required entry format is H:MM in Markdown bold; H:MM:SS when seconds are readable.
**8:04**
